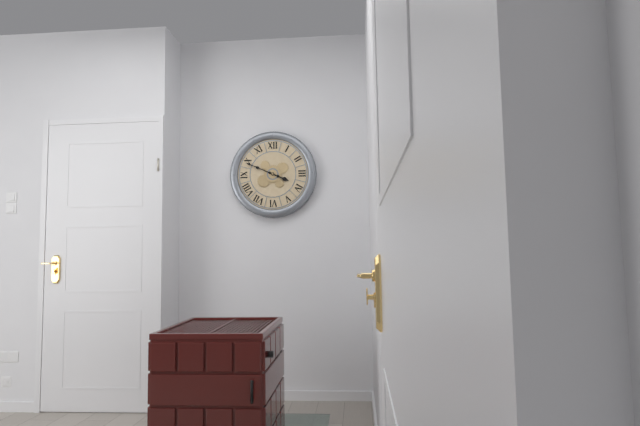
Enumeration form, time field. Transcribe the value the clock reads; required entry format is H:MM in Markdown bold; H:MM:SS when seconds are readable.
**3:49**
